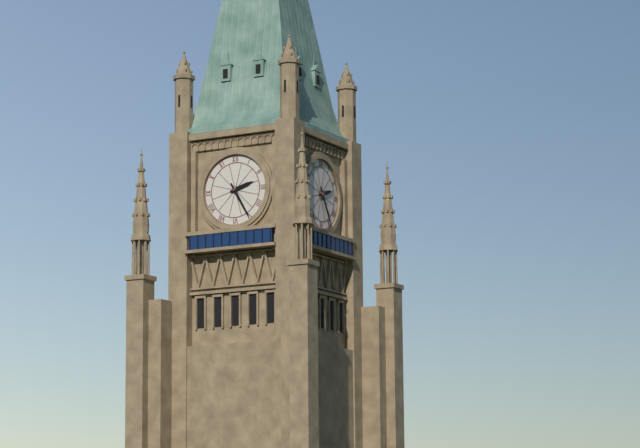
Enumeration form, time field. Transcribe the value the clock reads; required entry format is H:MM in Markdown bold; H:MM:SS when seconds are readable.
**2:25**
